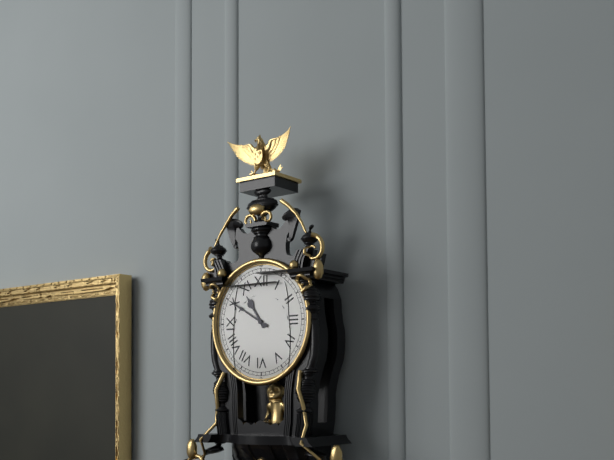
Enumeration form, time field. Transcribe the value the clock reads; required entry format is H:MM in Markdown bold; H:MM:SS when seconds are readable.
**10:50**
